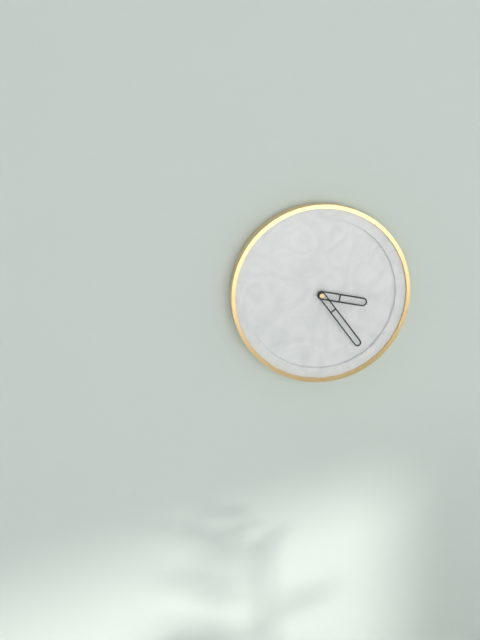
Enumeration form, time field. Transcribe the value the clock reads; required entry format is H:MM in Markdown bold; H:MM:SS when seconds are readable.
**3:24**
